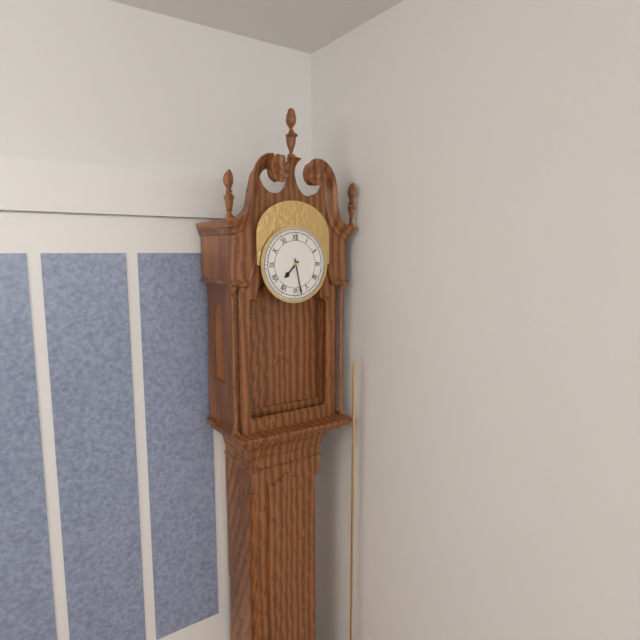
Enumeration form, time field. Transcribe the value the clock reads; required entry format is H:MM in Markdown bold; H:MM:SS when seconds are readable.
**7:28**
